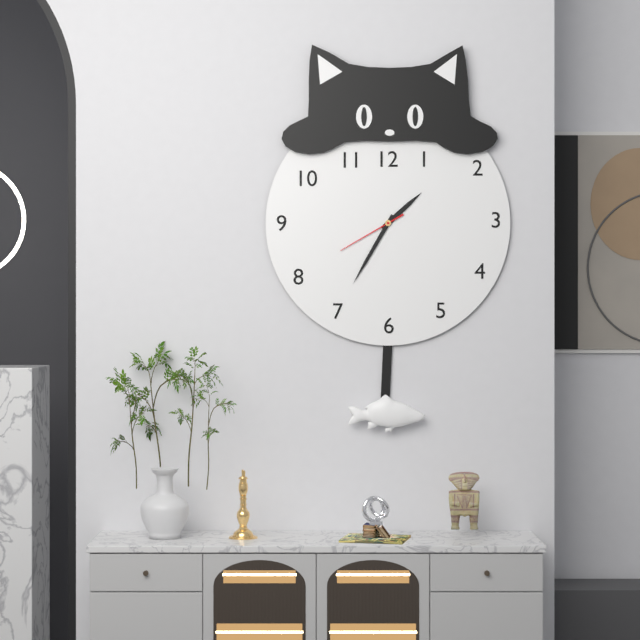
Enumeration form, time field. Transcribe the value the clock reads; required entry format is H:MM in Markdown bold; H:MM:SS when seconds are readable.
**1:35:40**
